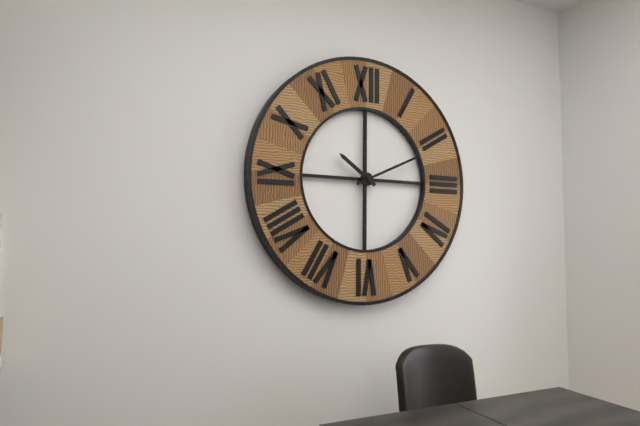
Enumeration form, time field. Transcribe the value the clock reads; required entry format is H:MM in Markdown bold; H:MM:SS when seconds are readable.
**10:11**
